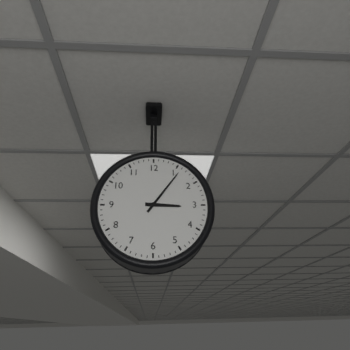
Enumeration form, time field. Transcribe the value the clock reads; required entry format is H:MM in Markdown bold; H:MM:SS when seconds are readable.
**3:06**
